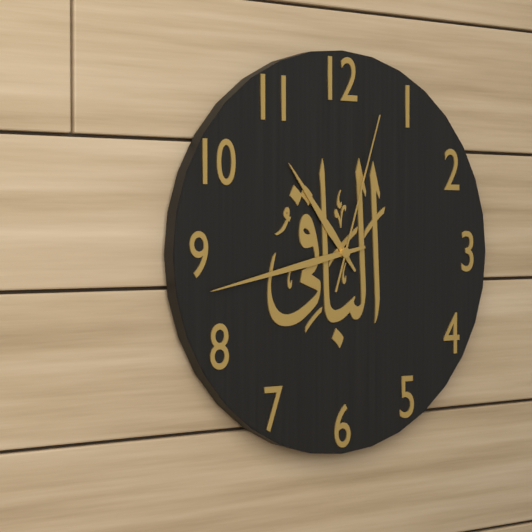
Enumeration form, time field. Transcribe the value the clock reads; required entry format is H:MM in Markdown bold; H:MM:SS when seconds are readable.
**10:43:03**
